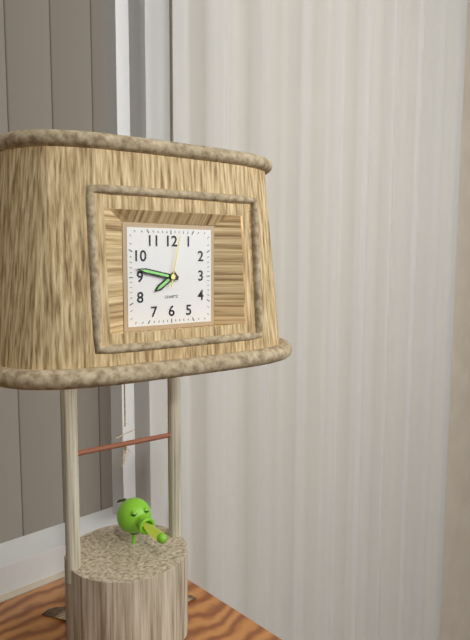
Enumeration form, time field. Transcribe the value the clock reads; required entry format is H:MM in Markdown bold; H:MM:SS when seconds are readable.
**7:47:02**
